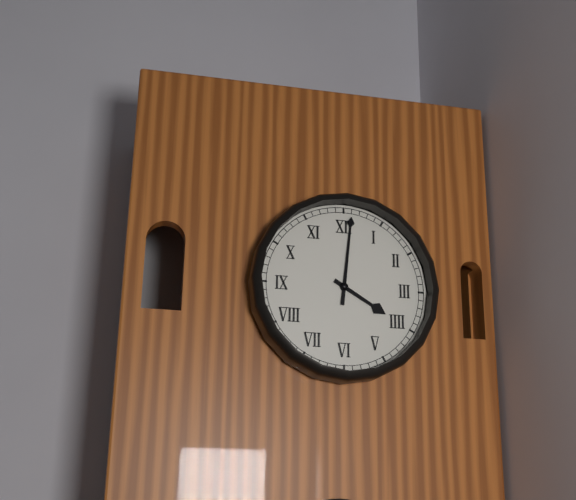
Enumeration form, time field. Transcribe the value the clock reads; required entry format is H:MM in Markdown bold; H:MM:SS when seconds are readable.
**4:01**
